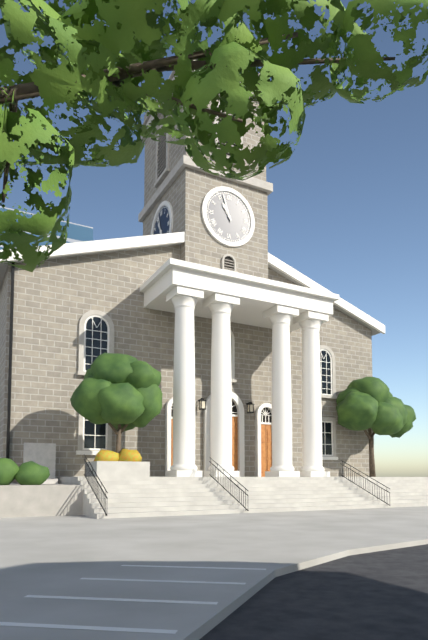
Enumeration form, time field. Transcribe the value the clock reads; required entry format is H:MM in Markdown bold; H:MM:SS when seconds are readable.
**10:57**
